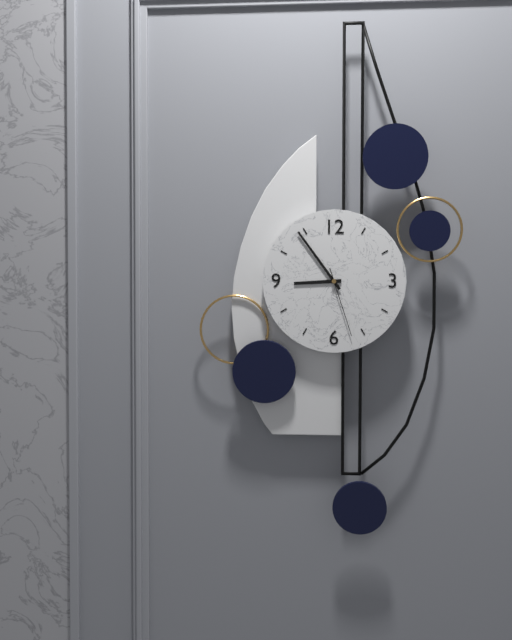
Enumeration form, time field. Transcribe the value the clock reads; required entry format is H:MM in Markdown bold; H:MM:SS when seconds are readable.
**8:54:27**
